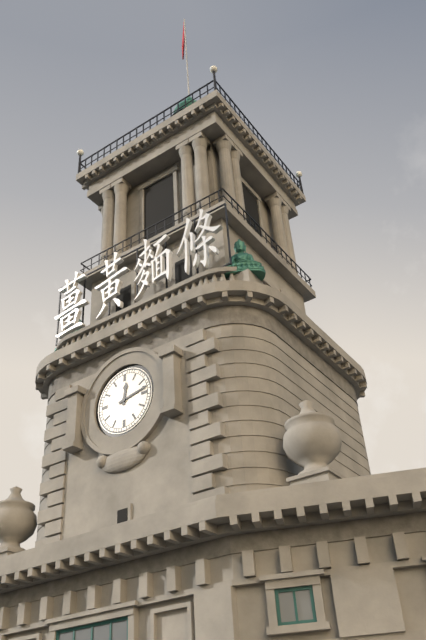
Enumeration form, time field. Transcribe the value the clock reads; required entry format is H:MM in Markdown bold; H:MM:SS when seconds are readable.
**12:13**
